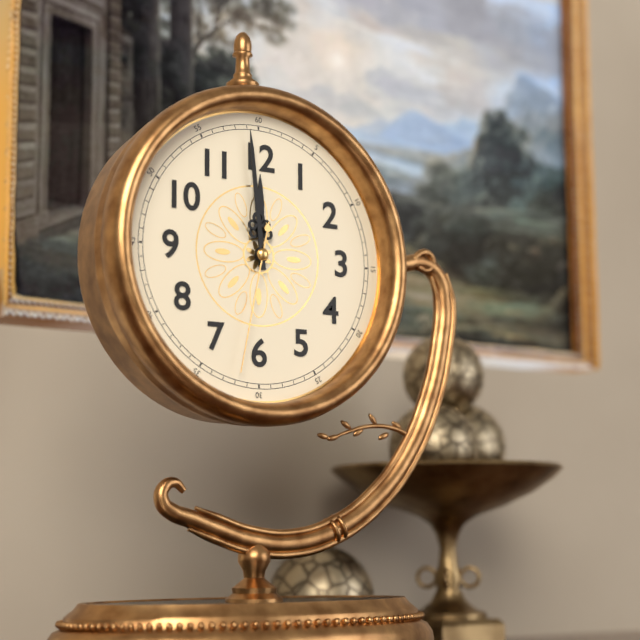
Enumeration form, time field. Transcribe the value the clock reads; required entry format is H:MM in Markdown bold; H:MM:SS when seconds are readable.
**11:59:32**
